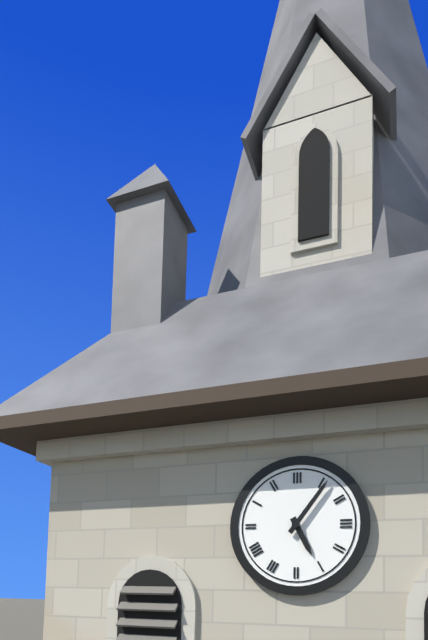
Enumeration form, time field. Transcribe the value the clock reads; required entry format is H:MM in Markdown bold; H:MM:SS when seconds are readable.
**5:06**
